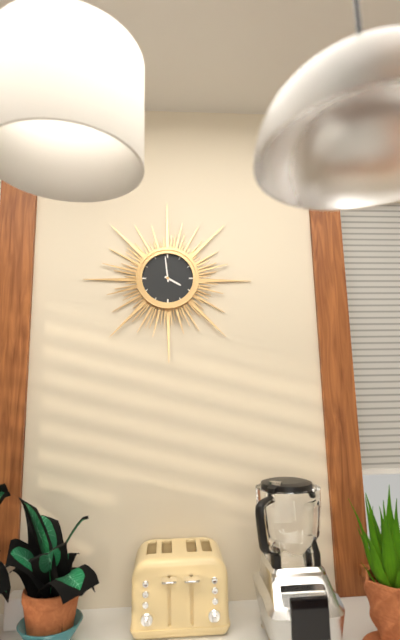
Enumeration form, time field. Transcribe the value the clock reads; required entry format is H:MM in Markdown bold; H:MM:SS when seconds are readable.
**3:59**
